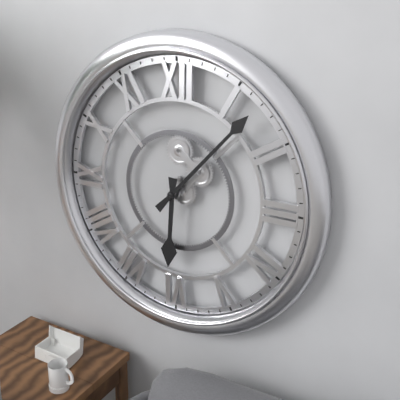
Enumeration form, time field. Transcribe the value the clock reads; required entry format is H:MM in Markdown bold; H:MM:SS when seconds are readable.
**6:07**
